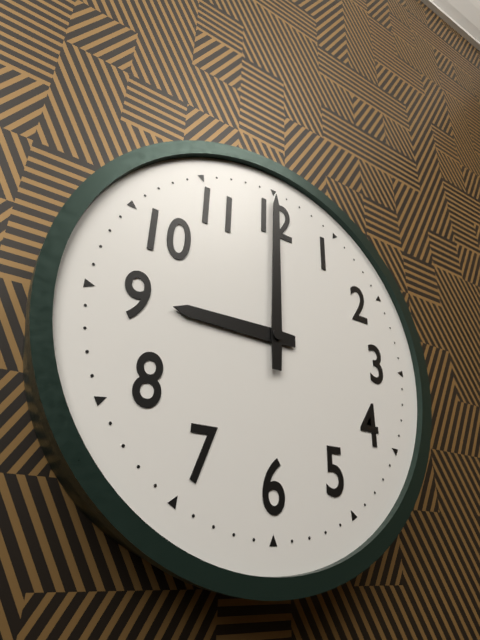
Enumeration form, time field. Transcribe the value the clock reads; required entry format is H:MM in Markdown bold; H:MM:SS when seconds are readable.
**9:00**
